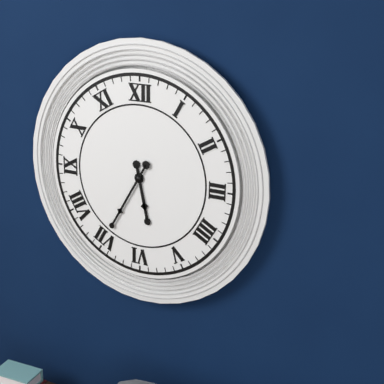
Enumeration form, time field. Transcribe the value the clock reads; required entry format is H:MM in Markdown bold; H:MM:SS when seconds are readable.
**5:35**
